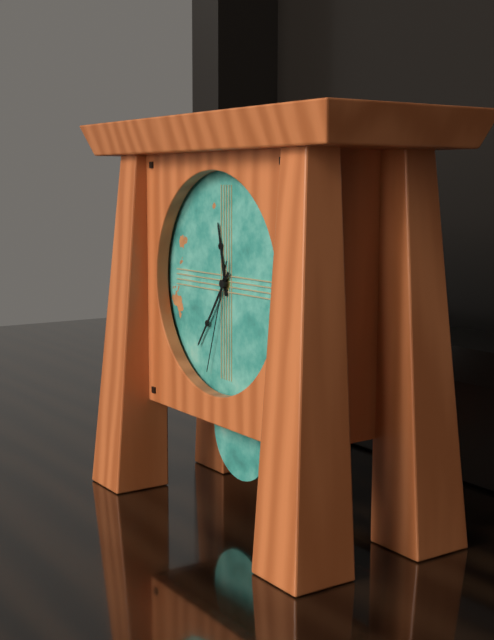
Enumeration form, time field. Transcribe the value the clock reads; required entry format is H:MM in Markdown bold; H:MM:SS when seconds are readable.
**11:36:33**
